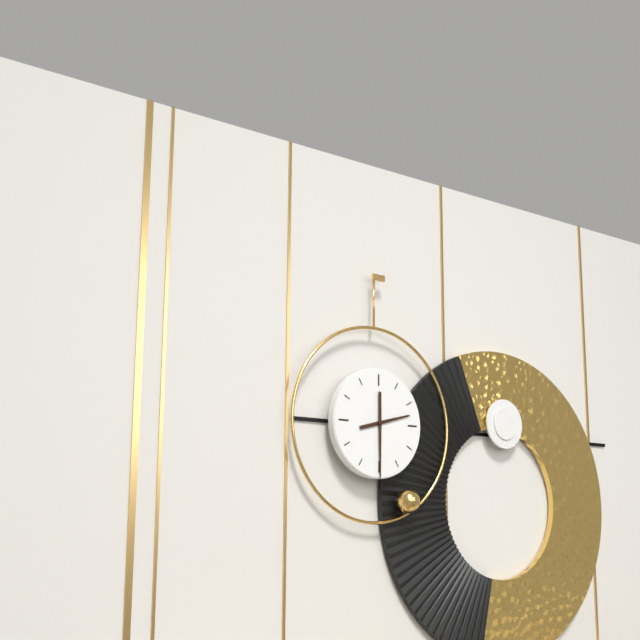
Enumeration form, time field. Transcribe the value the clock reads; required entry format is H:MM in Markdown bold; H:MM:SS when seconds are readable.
**2:30**
